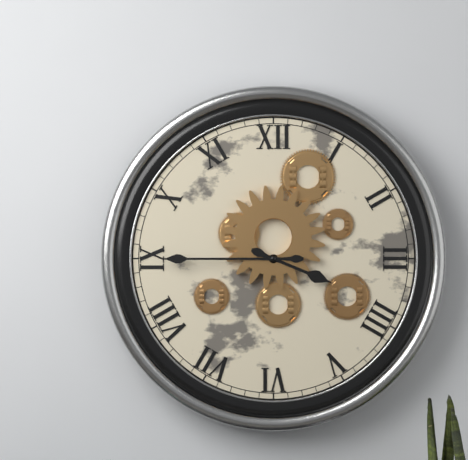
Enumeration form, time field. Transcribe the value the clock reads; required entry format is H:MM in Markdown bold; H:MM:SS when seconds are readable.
**3:45**
